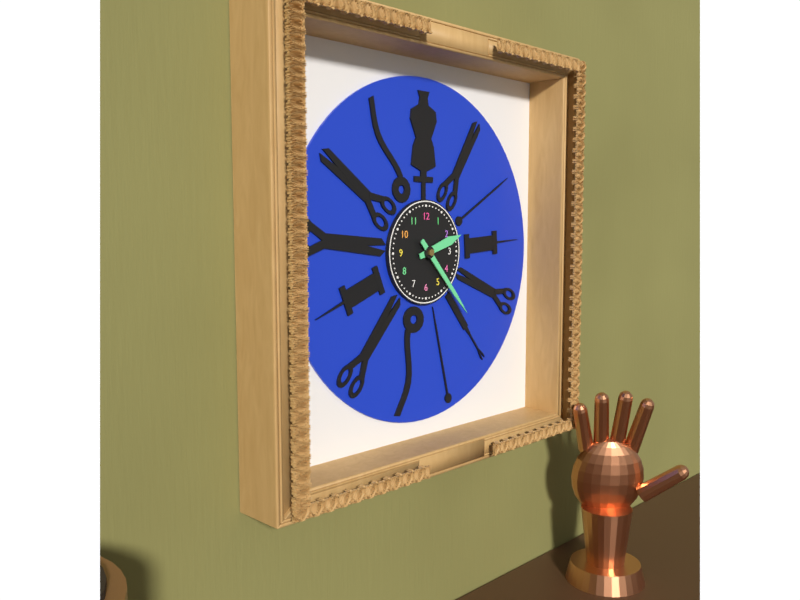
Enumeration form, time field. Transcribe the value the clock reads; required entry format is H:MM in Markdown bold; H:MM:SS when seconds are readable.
**2:23**
